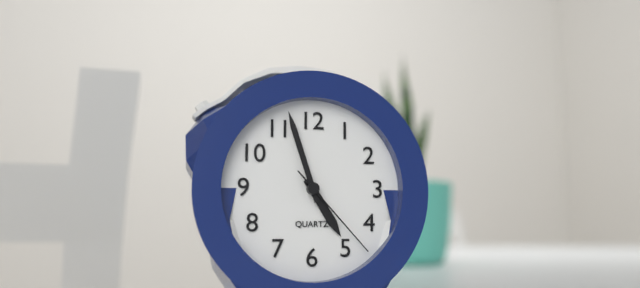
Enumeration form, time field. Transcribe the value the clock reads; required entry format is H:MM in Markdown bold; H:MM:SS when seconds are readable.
**4:57:23**
